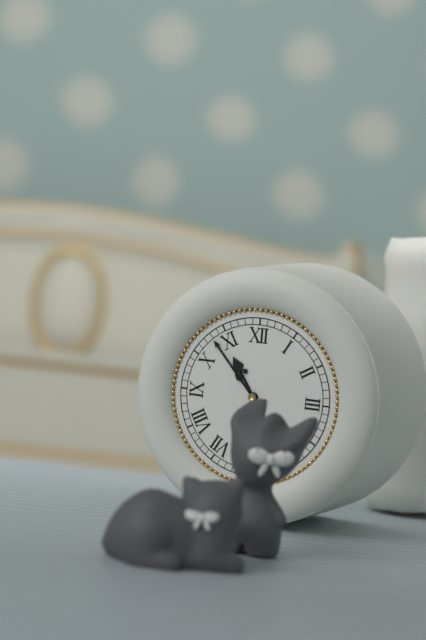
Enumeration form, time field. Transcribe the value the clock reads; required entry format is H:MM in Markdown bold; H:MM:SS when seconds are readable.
**10:53**
